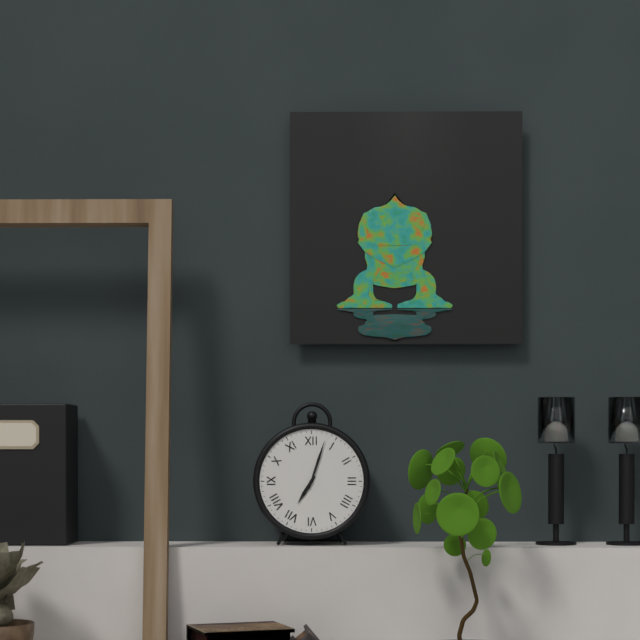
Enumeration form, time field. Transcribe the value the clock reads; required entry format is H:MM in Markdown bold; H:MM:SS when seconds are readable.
**7:03**
